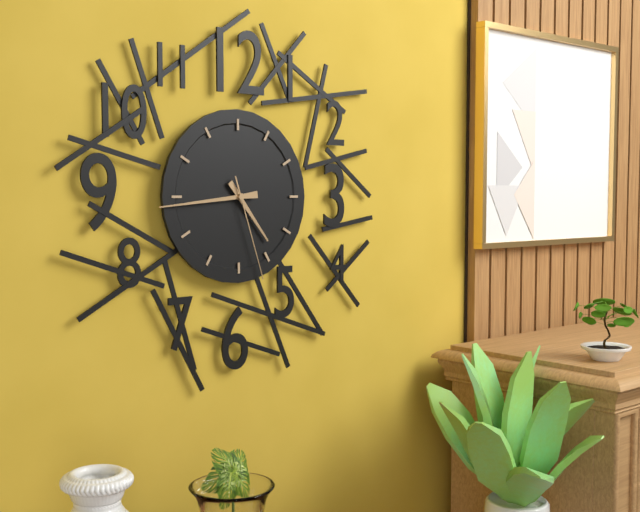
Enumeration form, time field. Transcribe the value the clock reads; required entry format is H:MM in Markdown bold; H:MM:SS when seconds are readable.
**4:44:27**
